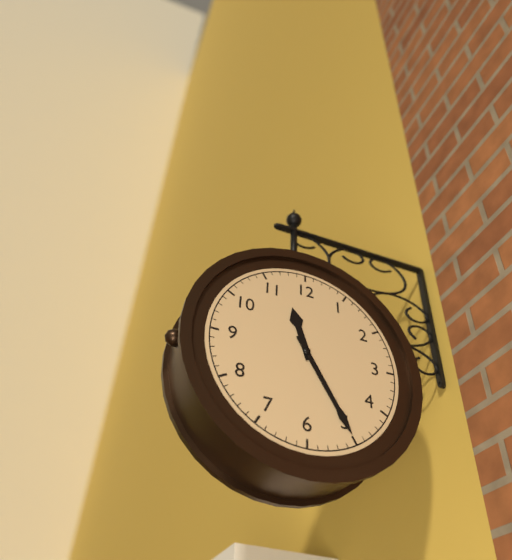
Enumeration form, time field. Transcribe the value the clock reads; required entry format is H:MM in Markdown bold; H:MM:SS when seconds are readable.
**11:25**
